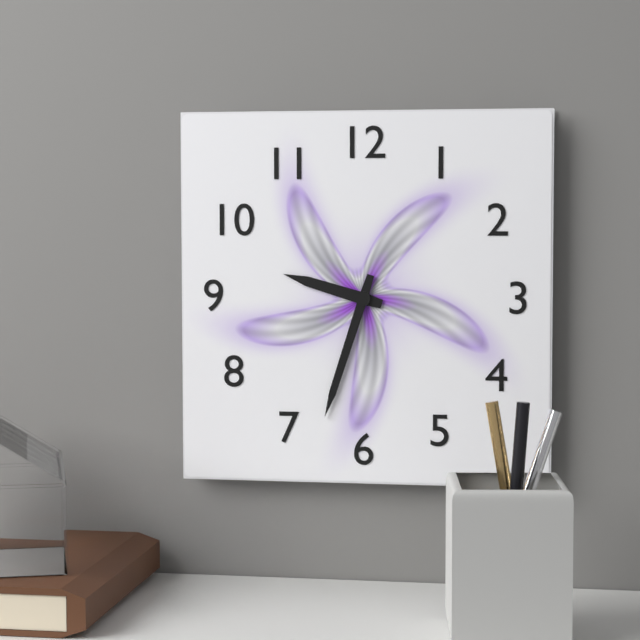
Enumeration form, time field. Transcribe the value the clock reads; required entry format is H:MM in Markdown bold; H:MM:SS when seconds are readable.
**9:33**
